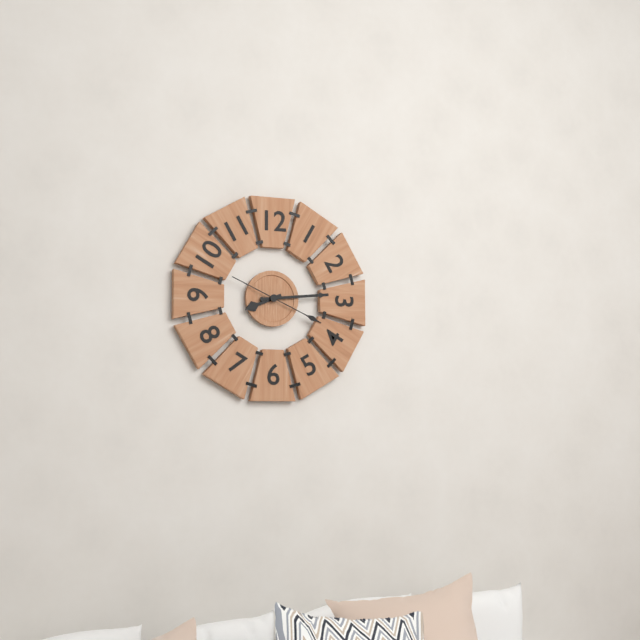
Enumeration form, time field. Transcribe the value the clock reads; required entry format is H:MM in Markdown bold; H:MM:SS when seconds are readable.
**8:14:19**
